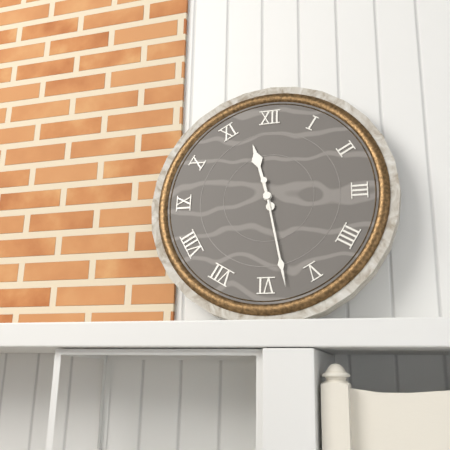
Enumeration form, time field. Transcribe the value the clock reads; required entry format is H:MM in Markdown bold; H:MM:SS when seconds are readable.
**11:28**
